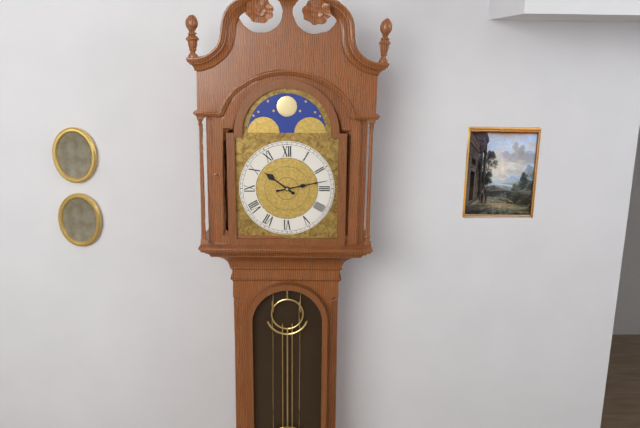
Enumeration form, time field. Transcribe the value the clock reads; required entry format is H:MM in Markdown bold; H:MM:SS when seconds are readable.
**10:13**
